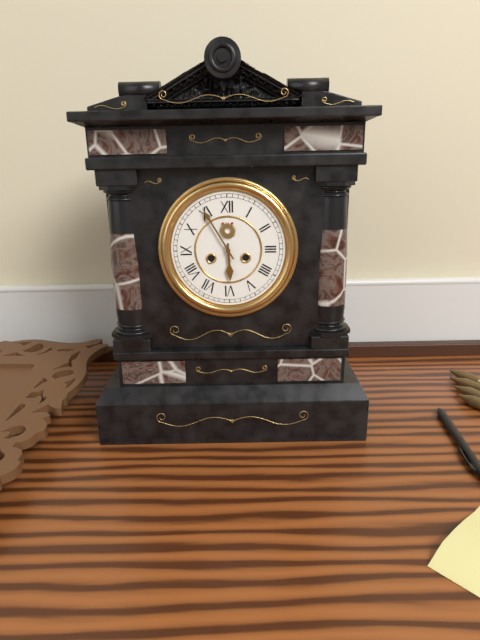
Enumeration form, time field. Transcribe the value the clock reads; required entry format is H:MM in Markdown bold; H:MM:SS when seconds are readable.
**5:55**
